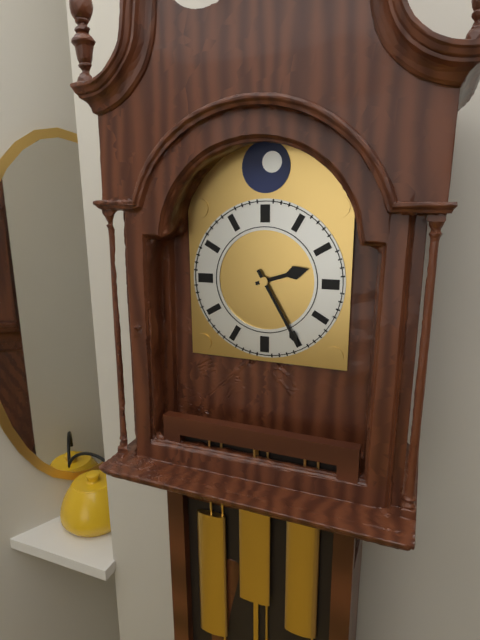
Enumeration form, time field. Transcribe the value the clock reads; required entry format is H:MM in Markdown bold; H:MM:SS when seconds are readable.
**2:25**
